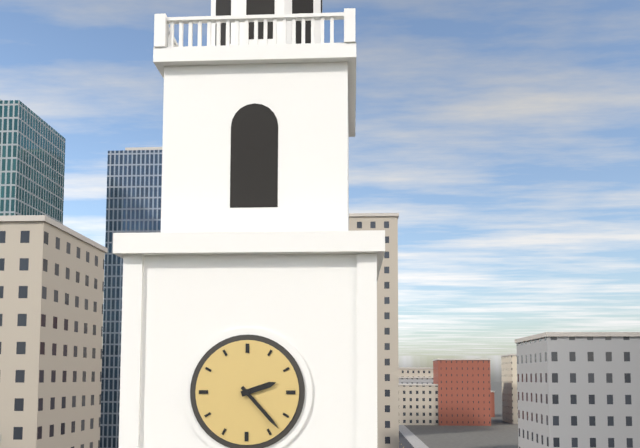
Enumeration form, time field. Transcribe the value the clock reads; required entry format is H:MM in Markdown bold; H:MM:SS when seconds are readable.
**2:23**
